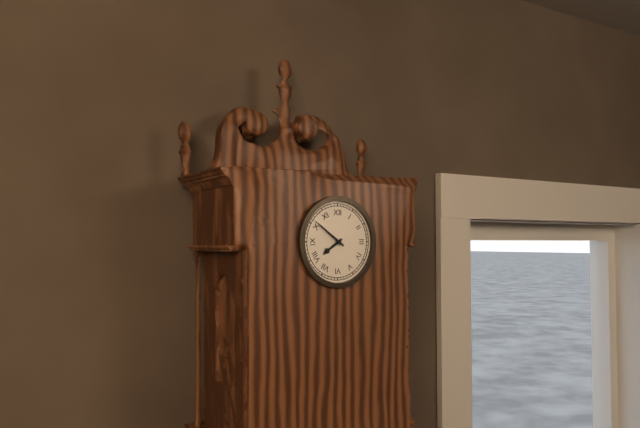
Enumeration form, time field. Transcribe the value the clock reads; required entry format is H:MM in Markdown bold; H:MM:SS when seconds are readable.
**7:51**
